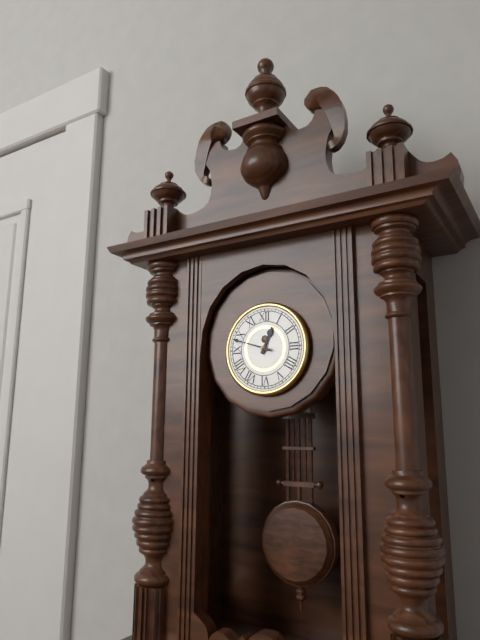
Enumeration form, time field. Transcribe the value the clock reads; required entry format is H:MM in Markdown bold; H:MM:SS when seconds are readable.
**12:48**
